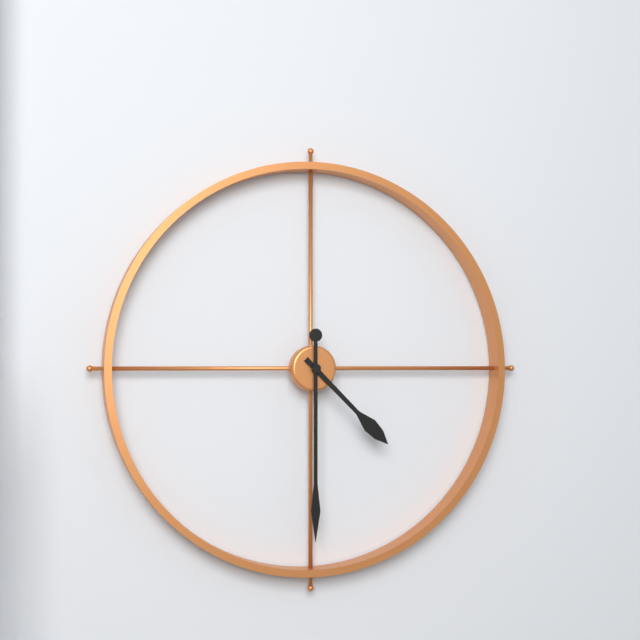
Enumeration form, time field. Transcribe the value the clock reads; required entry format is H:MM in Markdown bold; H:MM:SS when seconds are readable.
**4:30**
